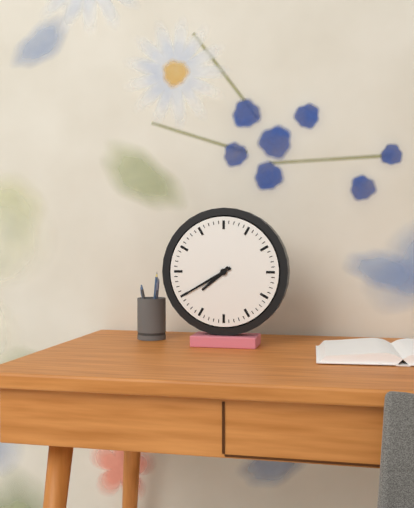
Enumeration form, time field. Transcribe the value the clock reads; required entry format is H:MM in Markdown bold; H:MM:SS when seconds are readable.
**7:40**
